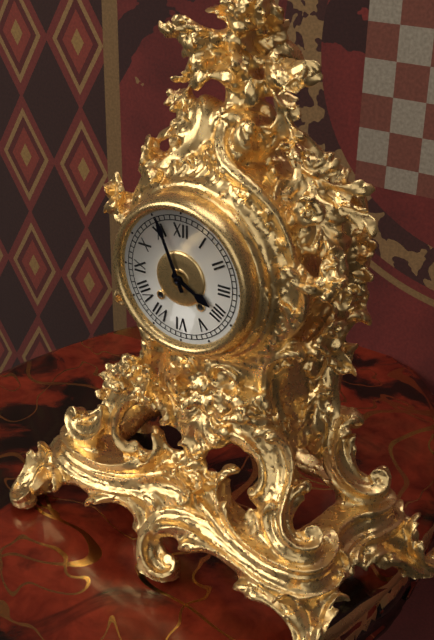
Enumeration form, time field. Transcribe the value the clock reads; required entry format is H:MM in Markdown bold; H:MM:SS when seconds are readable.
**3:56**
